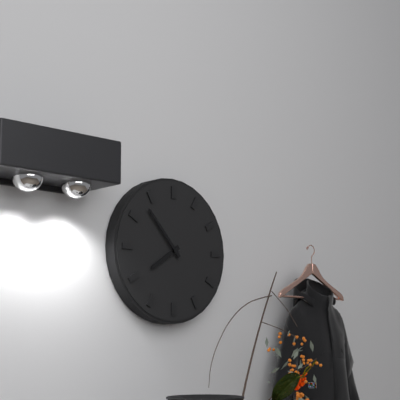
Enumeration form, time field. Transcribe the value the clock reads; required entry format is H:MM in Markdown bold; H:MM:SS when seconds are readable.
**7:53**
